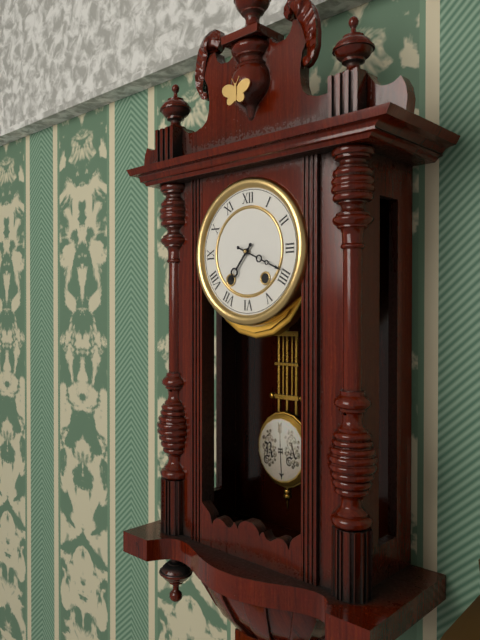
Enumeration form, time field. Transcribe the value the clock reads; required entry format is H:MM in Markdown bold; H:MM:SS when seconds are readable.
**7:19**
